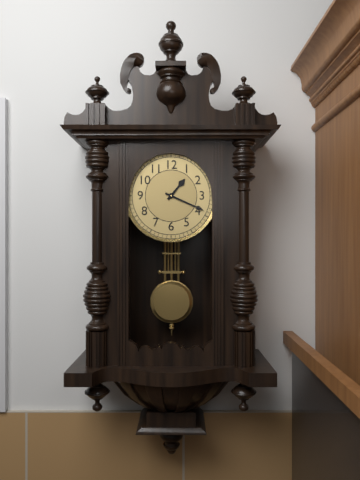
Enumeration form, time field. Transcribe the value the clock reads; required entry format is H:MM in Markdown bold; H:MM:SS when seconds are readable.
**1:19**
